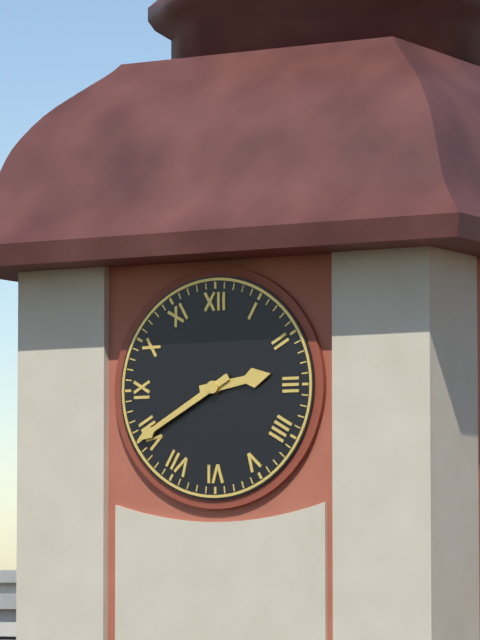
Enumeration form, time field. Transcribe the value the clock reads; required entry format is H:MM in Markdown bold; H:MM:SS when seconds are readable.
**2:40**
